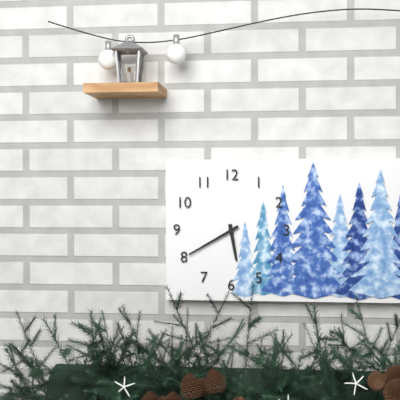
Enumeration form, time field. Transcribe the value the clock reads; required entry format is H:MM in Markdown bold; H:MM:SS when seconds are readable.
**5:40**
